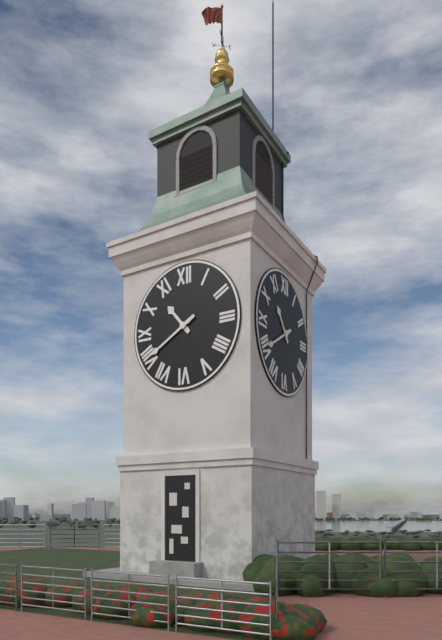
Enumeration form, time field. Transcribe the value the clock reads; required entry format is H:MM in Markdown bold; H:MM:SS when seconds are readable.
**10:40**
